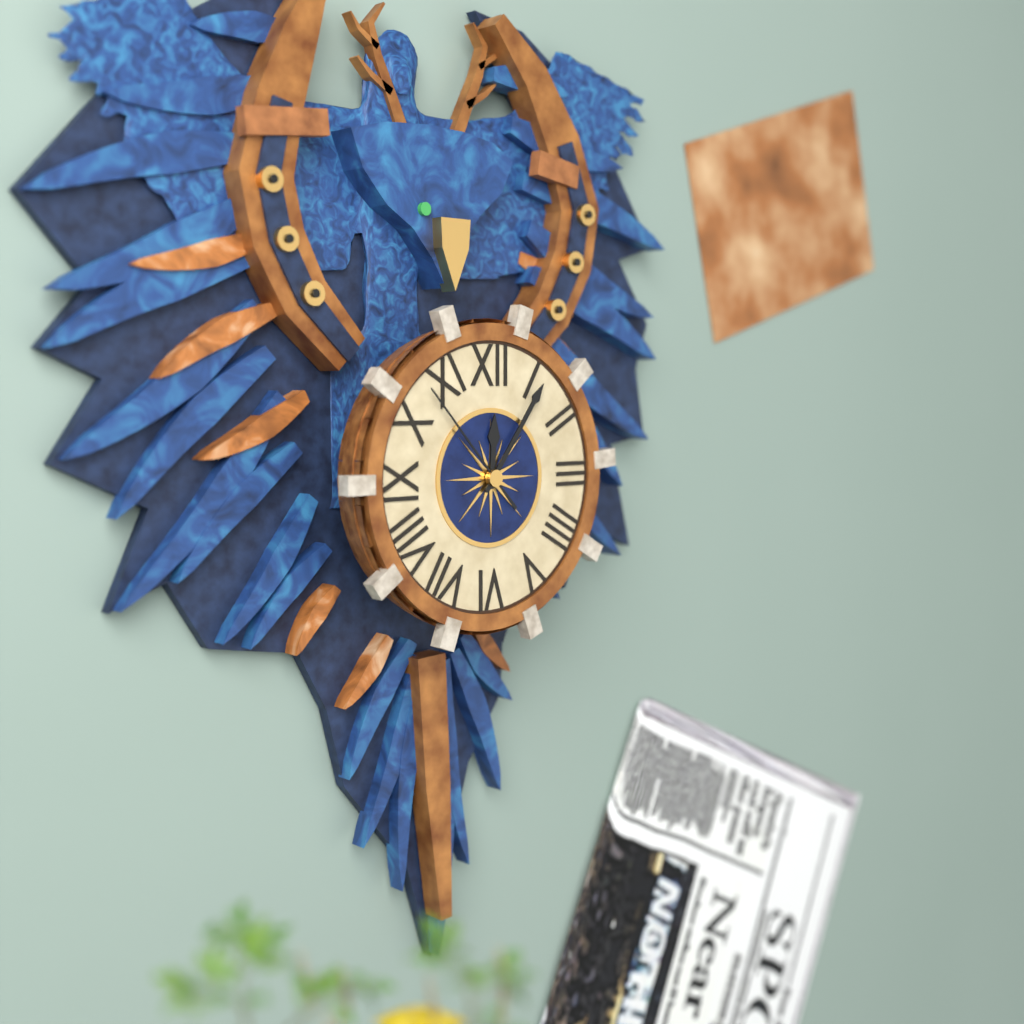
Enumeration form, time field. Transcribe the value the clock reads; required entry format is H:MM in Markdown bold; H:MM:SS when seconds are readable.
**12:06:53**
